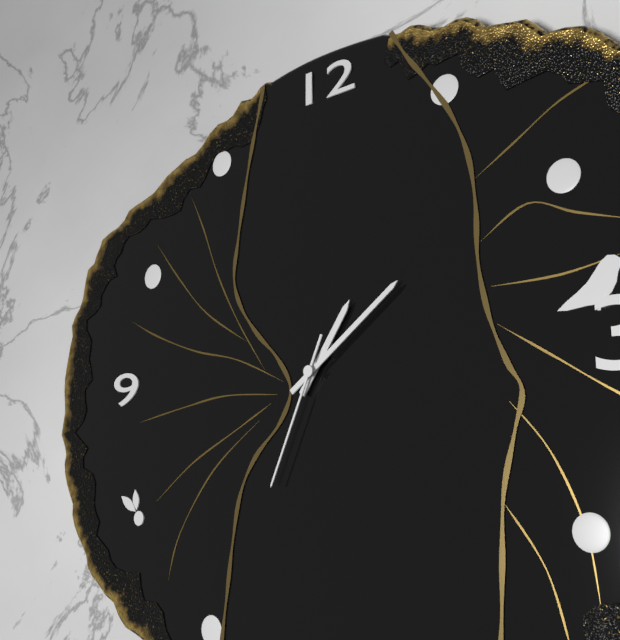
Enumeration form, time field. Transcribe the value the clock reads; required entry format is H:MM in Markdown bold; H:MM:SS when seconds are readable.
**1:09:34**
